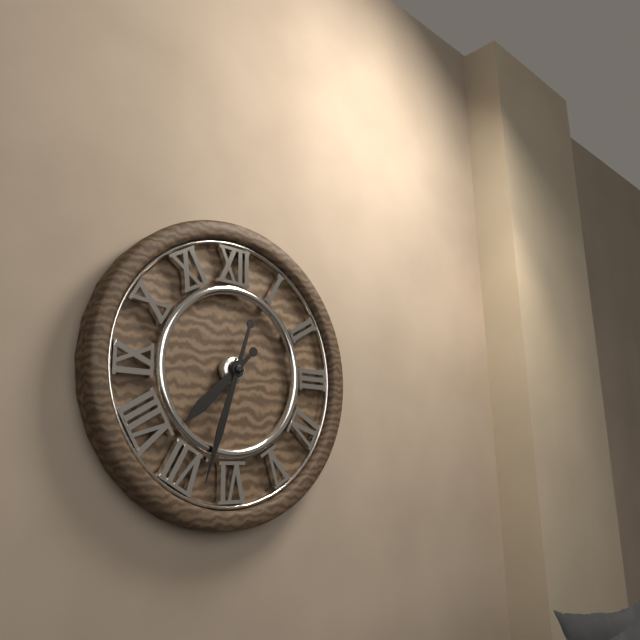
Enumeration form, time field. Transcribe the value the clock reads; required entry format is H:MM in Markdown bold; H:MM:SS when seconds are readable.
**7:33**
